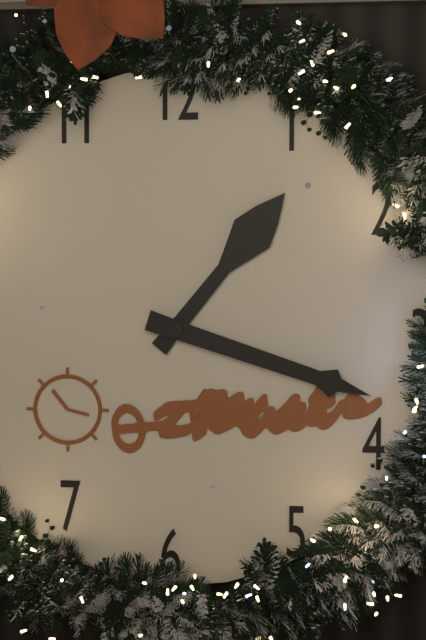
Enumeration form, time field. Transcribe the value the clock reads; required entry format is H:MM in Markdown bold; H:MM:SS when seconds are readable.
**1:18**
